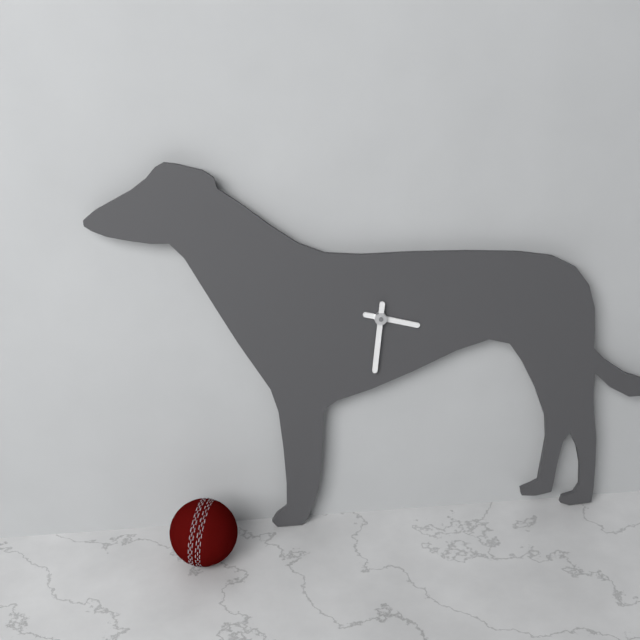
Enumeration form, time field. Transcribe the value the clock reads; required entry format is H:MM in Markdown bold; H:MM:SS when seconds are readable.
**3:31**
